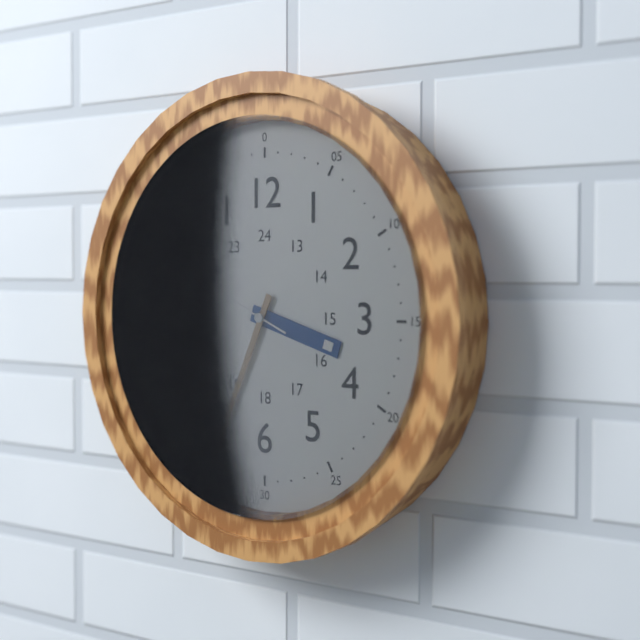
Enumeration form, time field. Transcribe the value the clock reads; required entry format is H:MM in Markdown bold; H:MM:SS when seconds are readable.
**3:34:49**
